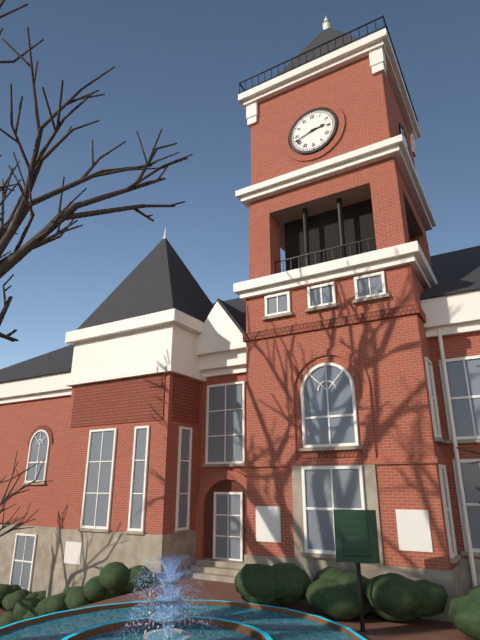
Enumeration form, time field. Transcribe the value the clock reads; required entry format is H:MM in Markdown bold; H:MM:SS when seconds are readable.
**2:42**
